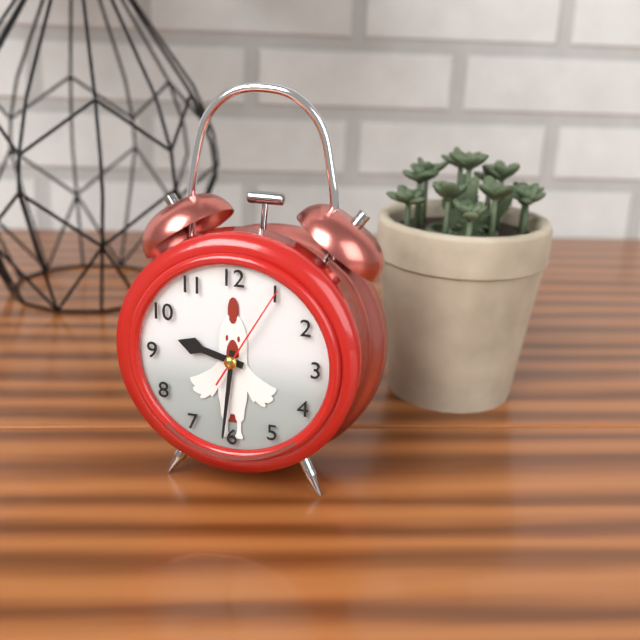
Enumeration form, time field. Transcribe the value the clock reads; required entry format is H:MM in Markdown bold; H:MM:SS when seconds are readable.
**9:31:05**
